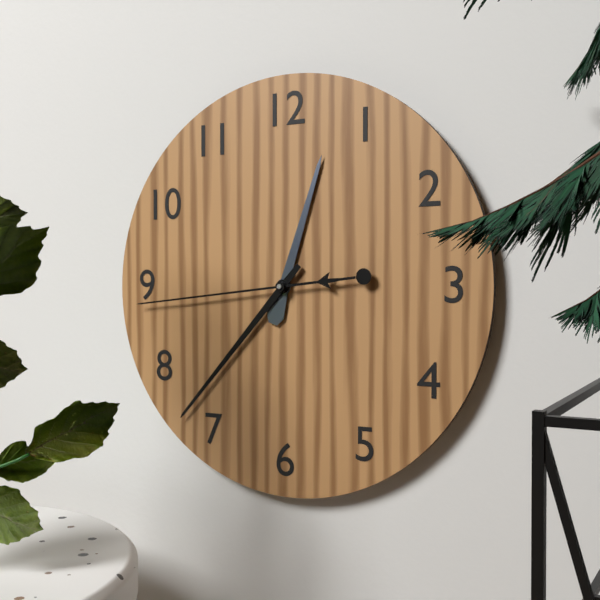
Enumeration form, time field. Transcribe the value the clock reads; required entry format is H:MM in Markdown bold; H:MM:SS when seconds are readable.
**12:37:44**
